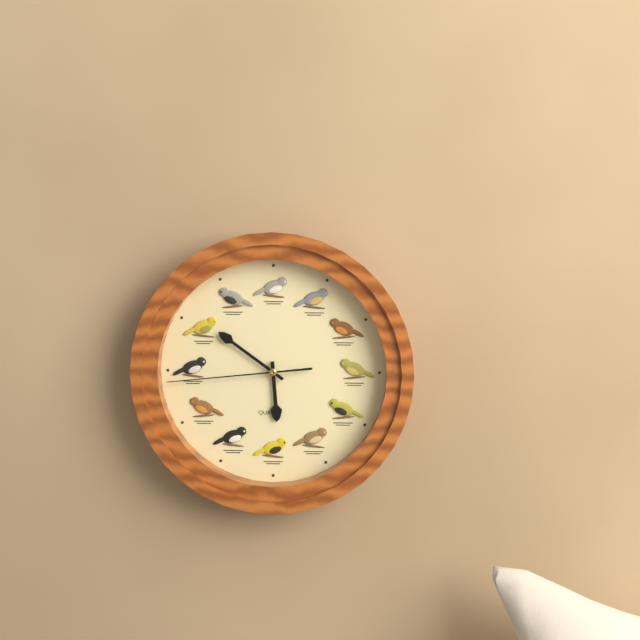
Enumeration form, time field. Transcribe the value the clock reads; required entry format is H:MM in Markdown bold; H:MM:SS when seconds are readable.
**5:51:44**
